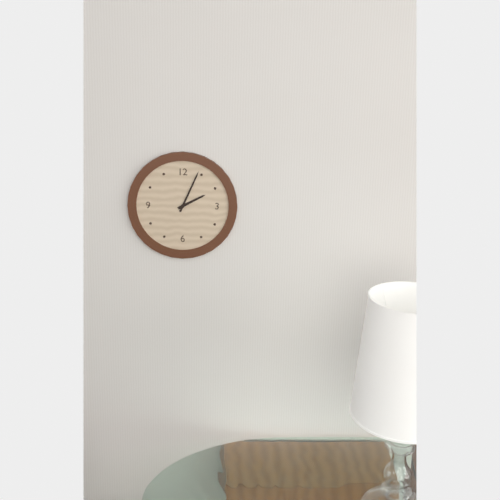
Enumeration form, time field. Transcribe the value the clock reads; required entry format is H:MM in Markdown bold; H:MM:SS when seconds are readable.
**2:04**
